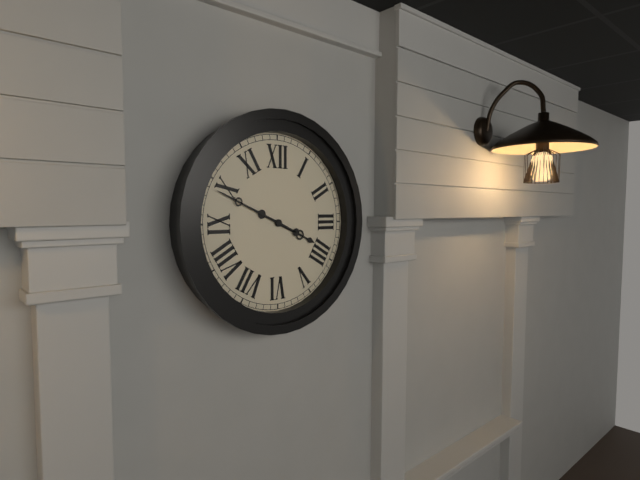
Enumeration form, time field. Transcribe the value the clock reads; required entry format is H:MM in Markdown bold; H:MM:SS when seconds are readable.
**3:49**
